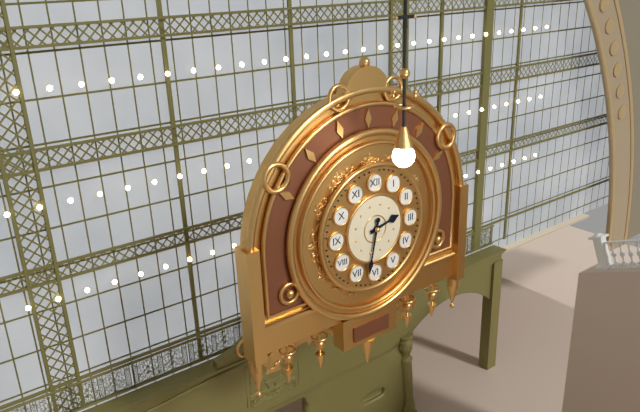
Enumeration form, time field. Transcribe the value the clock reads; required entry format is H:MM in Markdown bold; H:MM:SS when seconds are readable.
**2:32**
